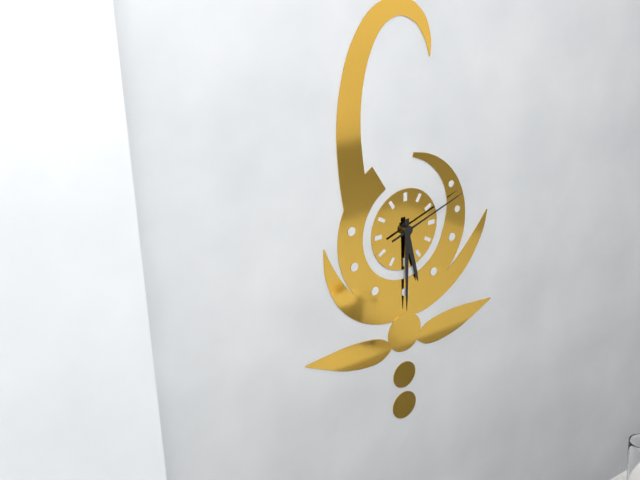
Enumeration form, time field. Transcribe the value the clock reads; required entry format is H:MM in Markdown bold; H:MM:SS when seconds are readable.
**5:30:12**
